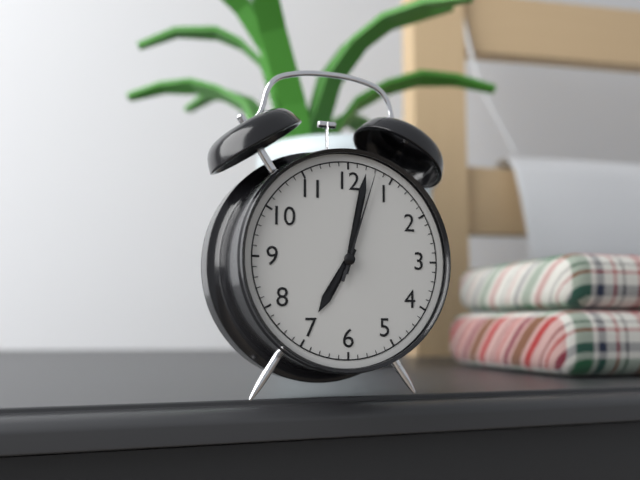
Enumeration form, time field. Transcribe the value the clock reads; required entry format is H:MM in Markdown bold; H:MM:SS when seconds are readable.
**7:02:03**
